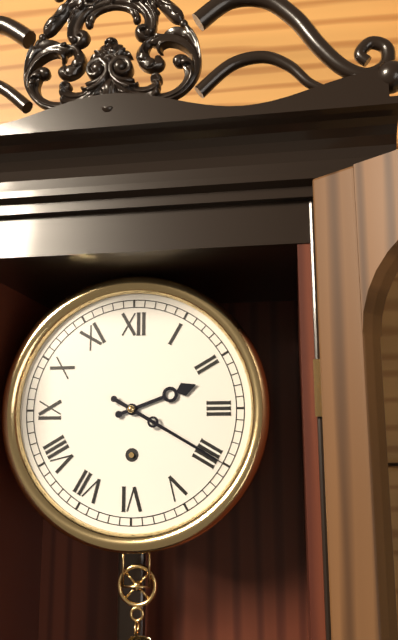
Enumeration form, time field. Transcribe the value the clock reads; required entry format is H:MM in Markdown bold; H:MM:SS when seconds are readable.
**2:20**
